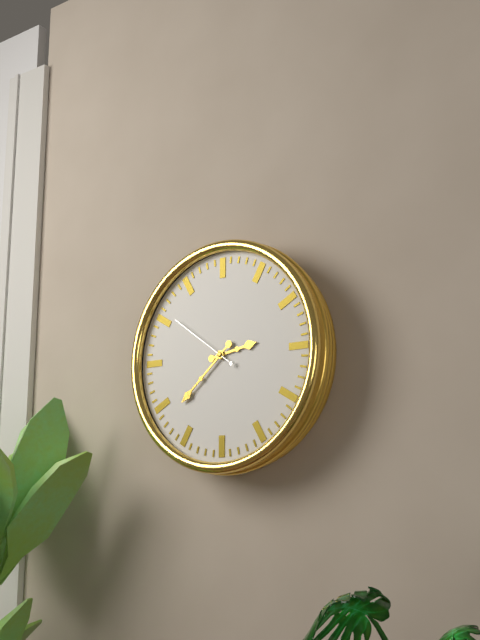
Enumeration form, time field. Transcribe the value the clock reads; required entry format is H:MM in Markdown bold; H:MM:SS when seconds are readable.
**2:38:51**
